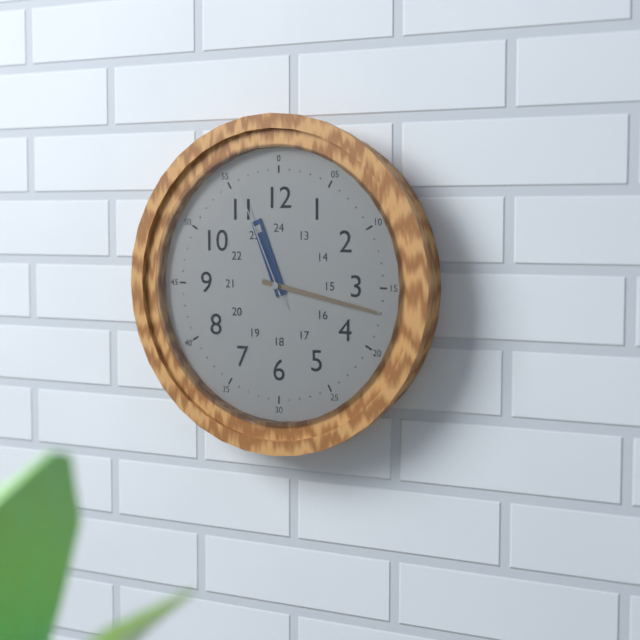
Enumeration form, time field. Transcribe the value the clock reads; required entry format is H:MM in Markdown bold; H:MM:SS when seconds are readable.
**11:17:56**
